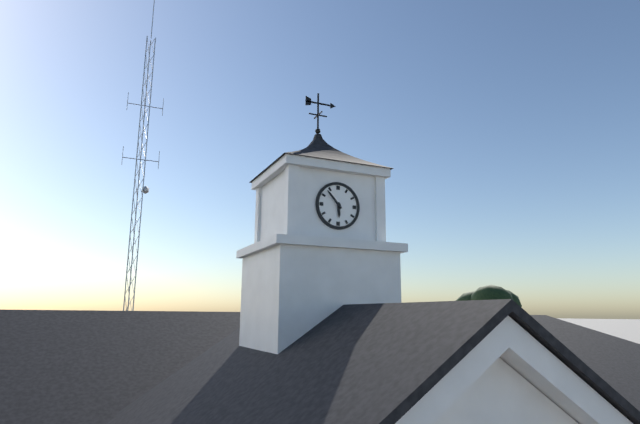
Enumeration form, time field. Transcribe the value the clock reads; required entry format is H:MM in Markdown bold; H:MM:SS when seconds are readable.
**5:53**
